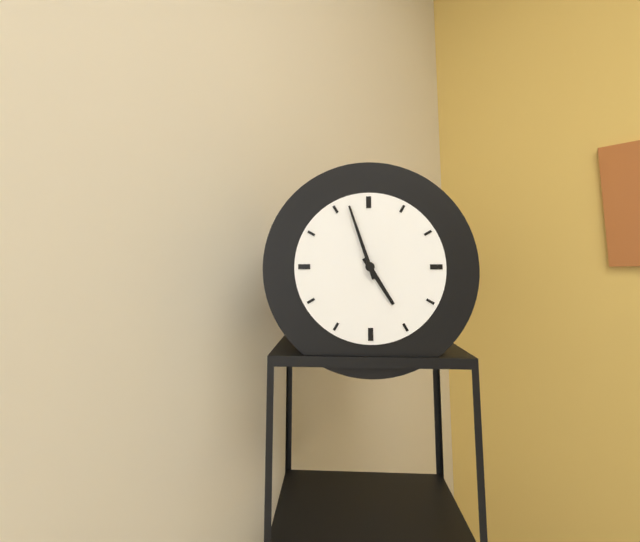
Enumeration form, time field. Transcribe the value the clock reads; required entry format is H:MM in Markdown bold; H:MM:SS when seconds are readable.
**4:57**
